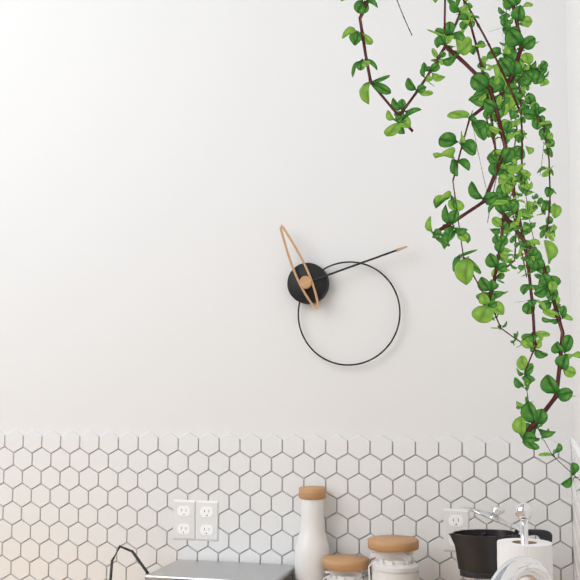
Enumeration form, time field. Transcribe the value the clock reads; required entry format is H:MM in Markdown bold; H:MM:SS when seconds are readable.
**11:12**
